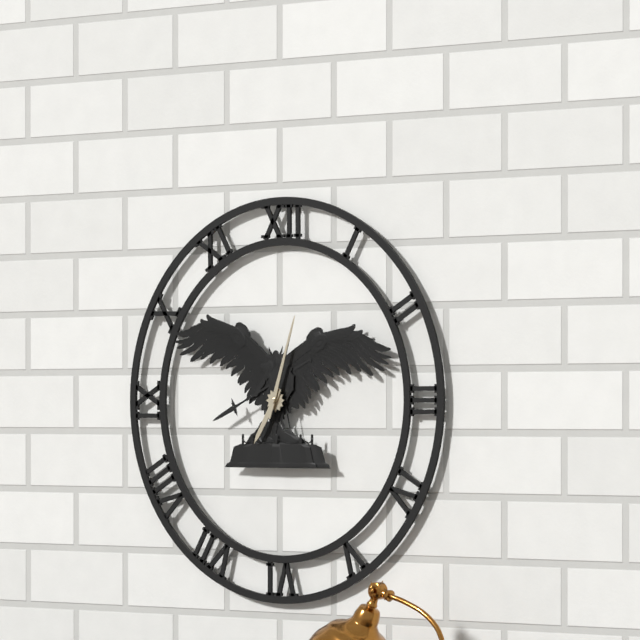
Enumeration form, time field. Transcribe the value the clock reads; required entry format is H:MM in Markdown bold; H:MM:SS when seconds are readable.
**7:03**
